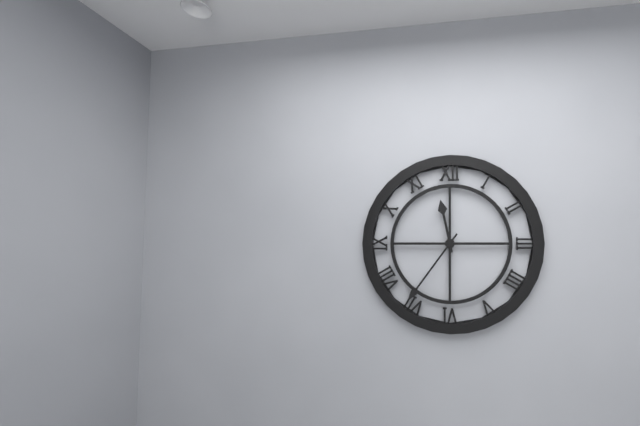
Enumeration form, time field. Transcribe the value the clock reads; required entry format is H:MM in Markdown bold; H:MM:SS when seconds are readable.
**11:36**
